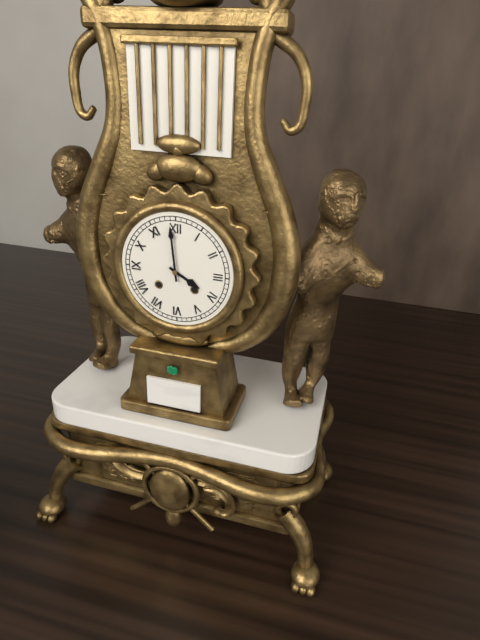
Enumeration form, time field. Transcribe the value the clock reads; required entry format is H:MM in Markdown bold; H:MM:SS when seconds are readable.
**3:59**
